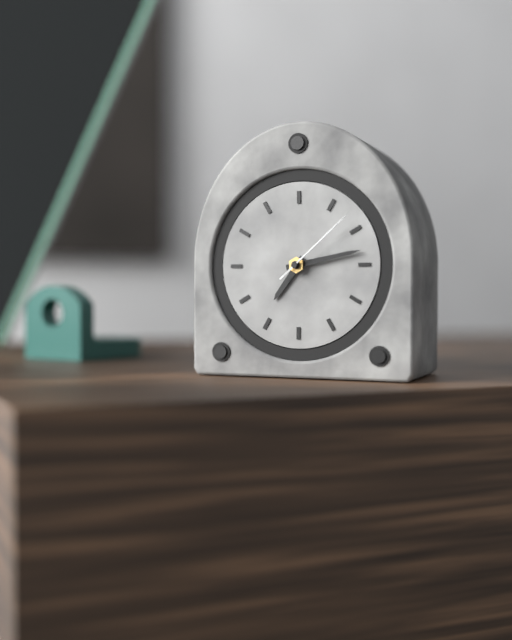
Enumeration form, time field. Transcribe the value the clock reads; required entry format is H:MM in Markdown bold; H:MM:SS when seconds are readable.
**7:13:08**
